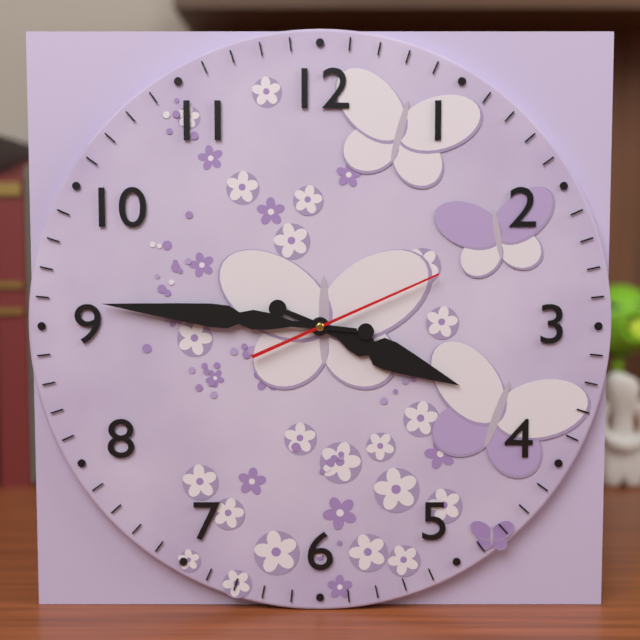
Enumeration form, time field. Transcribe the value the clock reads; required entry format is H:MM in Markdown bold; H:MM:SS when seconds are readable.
**3:46:11**
